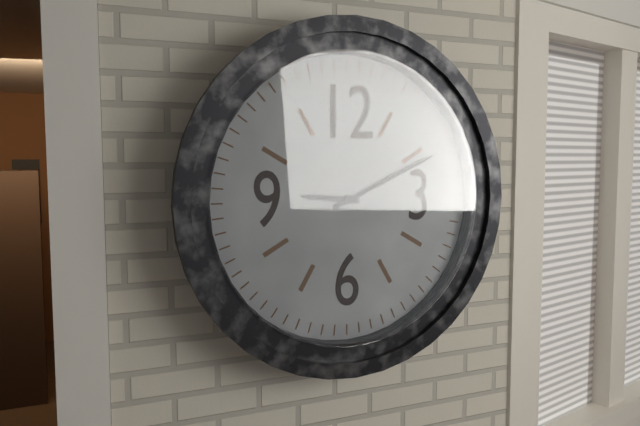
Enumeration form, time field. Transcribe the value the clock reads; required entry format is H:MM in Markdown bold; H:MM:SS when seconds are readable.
**9:11**
